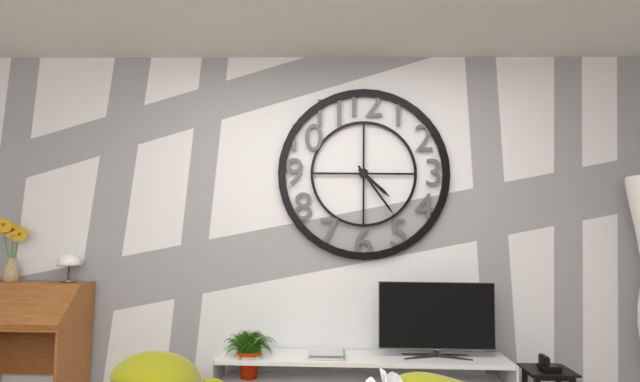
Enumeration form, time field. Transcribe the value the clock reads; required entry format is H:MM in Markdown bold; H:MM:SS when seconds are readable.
**4:24**
